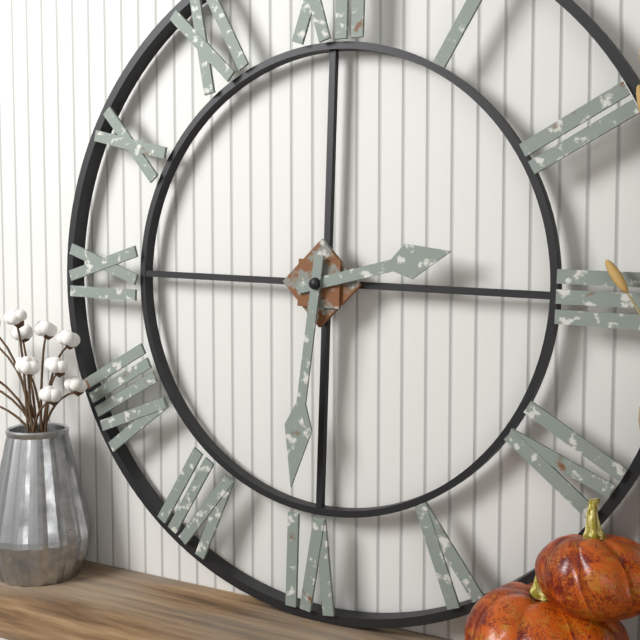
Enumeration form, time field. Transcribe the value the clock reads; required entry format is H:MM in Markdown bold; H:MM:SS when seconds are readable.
**2:31**
